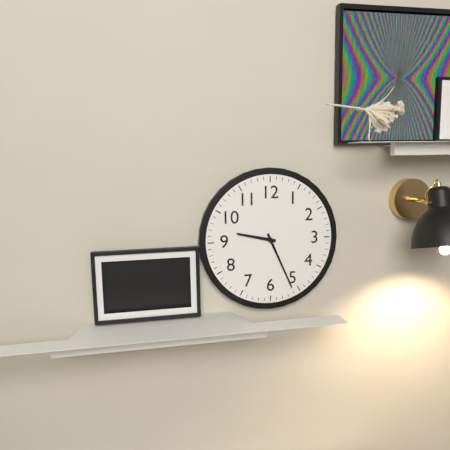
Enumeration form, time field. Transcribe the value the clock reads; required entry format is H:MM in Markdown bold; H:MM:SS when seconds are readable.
**9:26**
